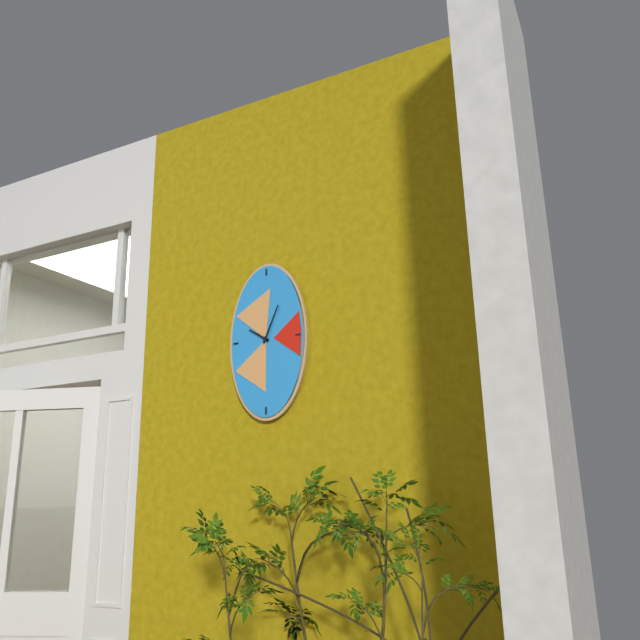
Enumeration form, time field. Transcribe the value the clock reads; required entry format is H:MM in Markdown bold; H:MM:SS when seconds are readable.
**10:04**
